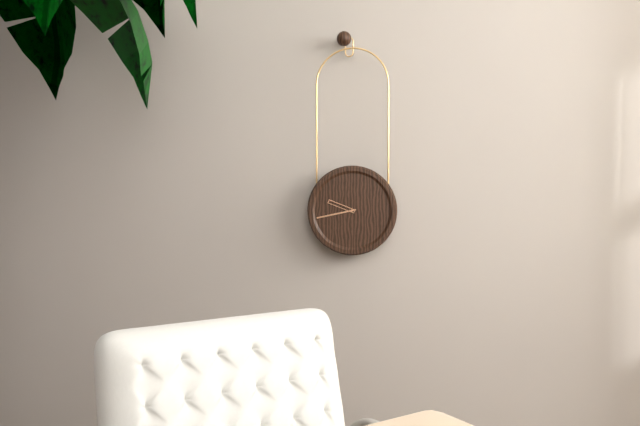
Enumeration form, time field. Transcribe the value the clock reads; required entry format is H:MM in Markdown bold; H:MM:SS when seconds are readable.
**9:43**
